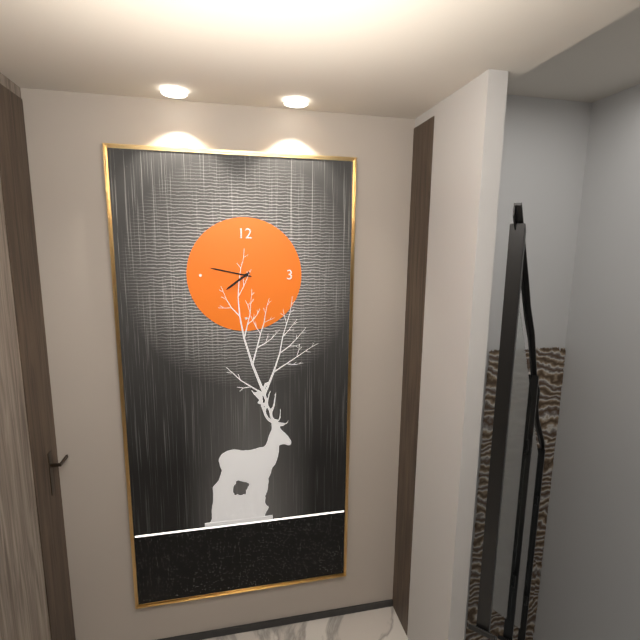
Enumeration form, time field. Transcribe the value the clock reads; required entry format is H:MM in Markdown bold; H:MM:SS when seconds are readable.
**7:47**
